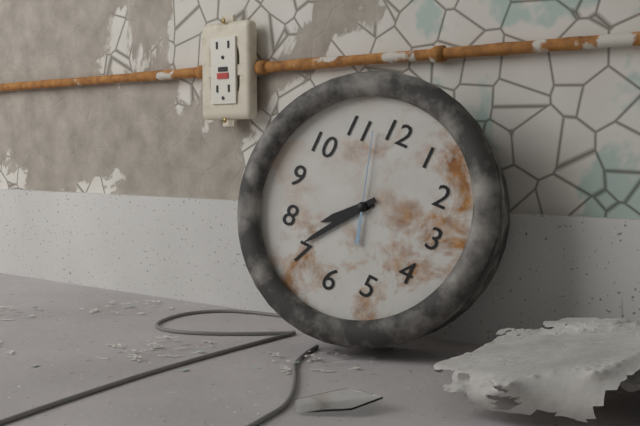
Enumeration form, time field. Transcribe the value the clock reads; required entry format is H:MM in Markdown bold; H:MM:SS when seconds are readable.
**7:36:57**
